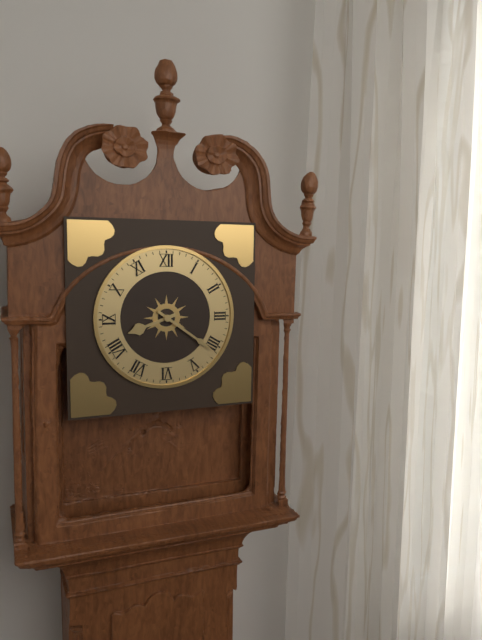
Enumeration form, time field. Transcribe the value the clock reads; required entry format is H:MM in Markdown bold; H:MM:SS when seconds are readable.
**8:21**
